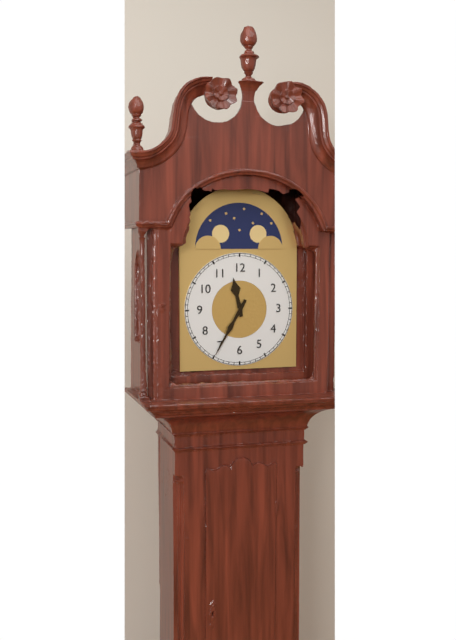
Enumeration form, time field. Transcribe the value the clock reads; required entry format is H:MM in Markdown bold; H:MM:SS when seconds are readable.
**11:35**
